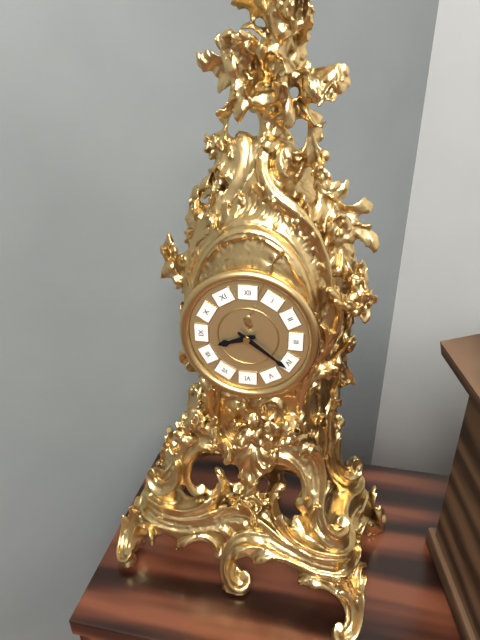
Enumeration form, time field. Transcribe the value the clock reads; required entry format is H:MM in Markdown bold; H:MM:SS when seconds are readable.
**8:21**
